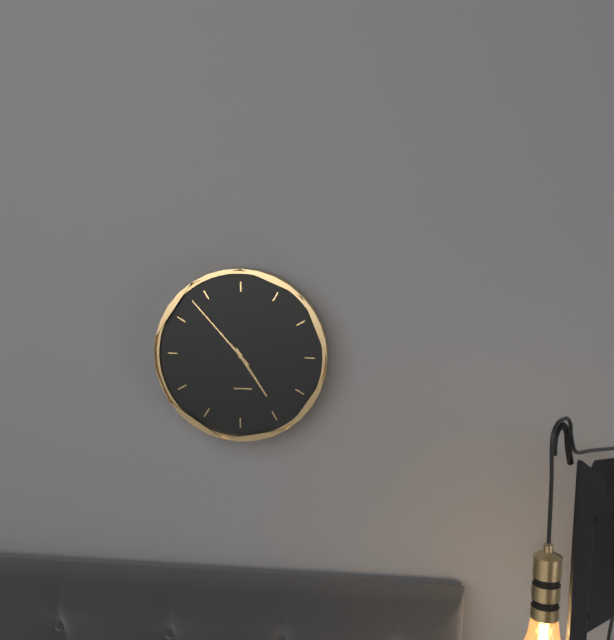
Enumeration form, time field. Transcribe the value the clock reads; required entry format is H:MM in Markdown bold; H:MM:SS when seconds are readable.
**4:53**
